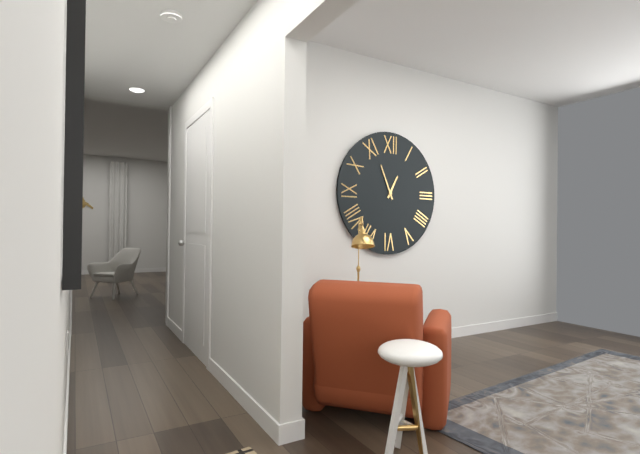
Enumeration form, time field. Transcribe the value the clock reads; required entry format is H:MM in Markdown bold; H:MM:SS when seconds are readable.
**12:56**
